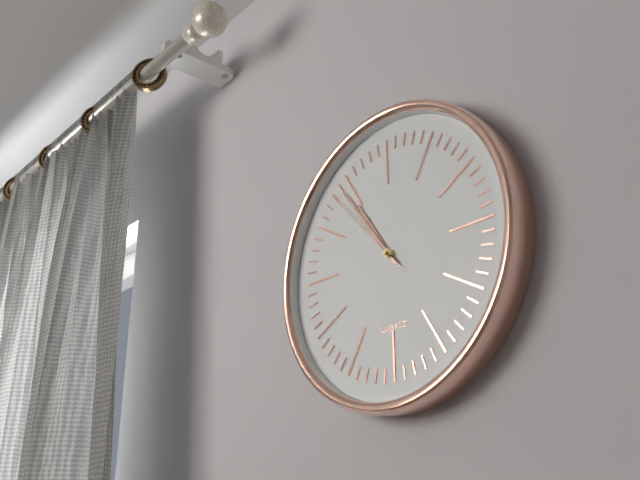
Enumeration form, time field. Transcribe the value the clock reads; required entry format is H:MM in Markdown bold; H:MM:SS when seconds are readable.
**10:54:53**
